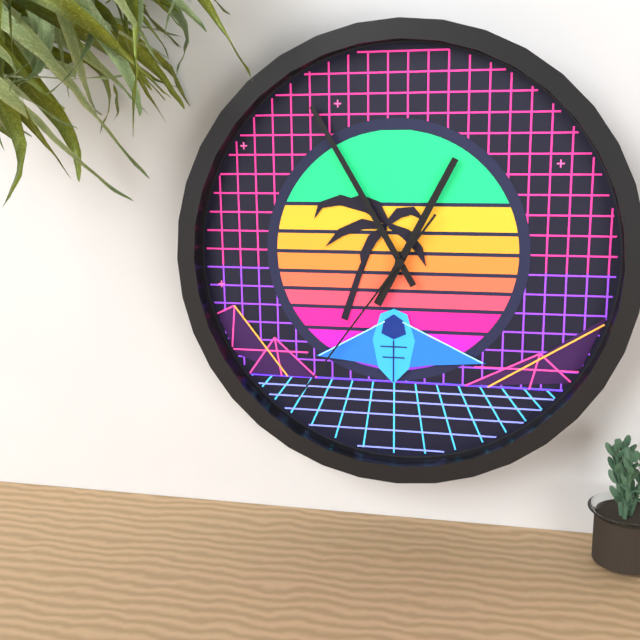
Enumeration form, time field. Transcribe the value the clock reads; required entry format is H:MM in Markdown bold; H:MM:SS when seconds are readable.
**12:55:36**
